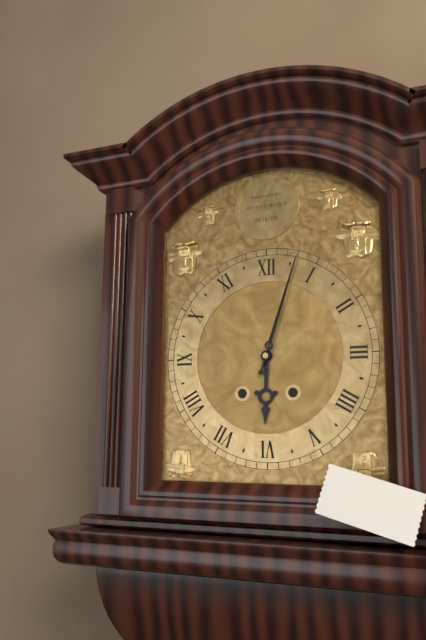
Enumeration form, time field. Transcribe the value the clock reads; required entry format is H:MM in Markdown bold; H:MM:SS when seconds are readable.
**6:03**
